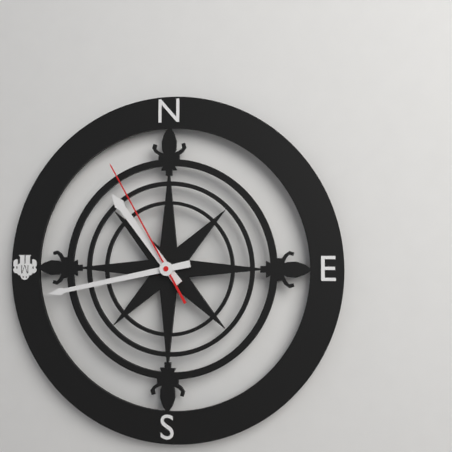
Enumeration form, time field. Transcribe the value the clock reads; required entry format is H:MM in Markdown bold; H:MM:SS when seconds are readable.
**10:43:55**
